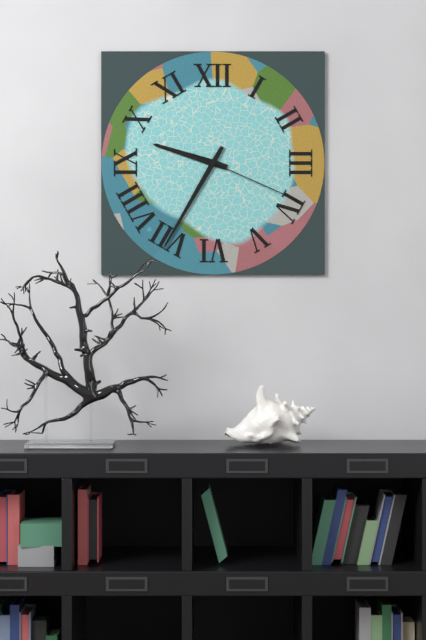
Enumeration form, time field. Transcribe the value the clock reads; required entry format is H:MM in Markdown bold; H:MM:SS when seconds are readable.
**9:35:19**
